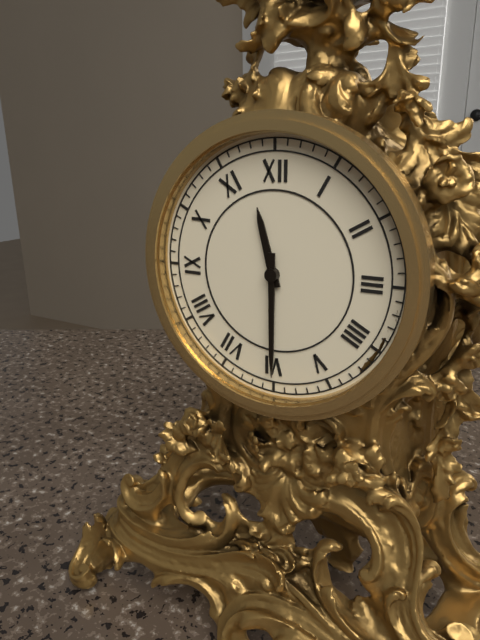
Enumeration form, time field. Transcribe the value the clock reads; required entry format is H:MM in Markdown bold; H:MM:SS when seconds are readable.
**11:30**
